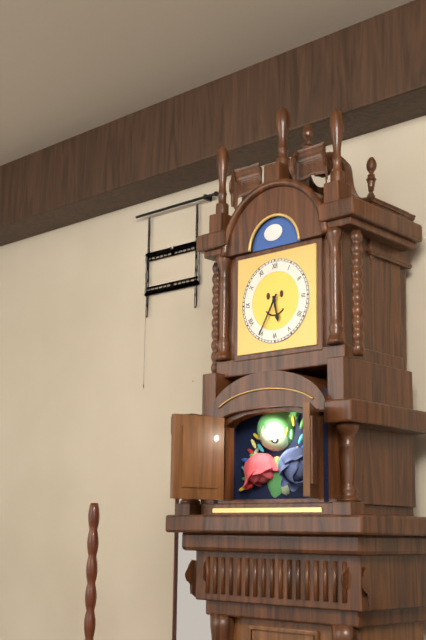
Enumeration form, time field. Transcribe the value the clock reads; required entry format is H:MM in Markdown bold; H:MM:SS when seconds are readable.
**5:35**
